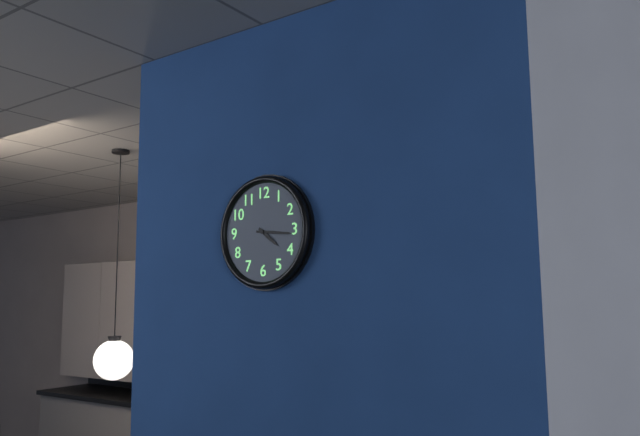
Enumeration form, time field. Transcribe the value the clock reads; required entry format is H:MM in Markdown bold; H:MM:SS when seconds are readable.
**4:16**
